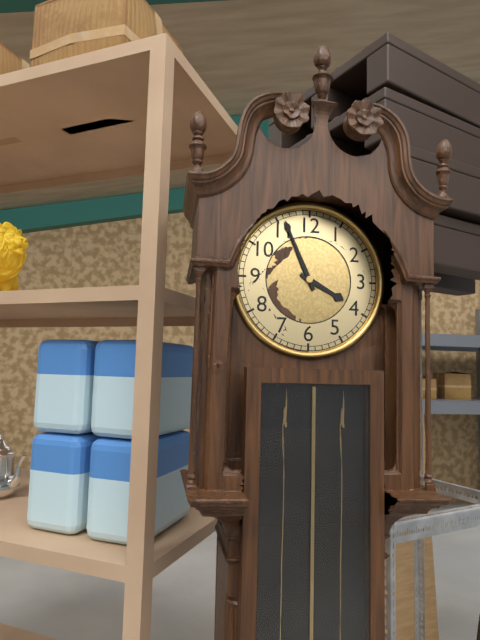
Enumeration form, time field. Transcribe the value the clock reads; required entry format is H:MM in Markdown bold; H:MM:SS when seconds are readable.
**3:56**
